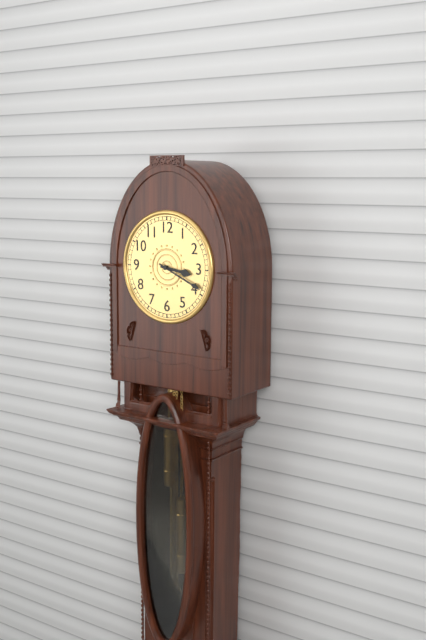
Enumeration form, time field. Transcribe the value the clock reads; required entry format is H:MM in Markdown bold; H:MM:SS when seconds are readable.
**3:19**
